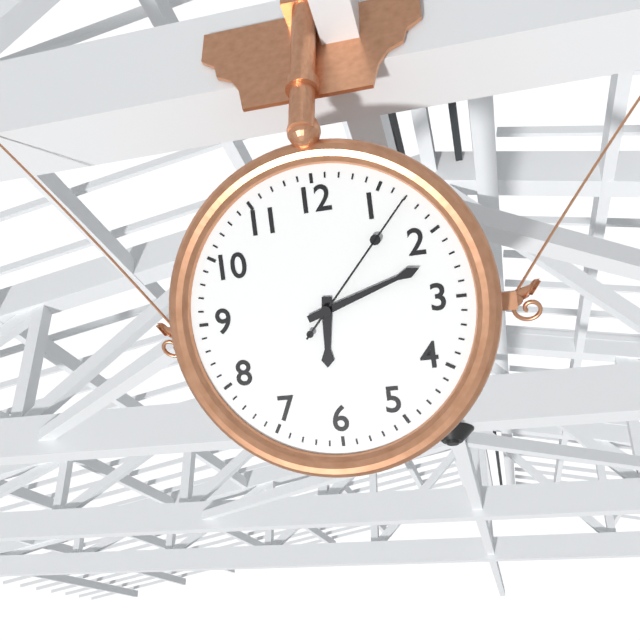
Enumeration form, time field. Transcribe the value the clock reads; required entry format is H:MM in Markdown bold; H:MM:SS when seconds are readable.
**6:12:07**
